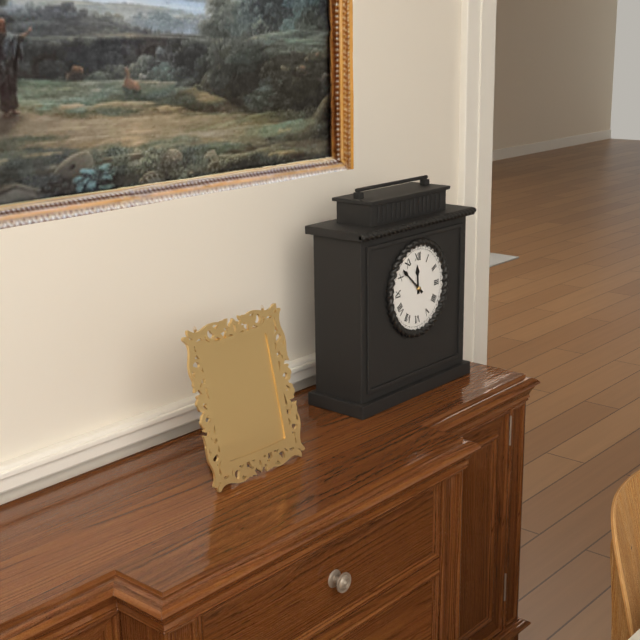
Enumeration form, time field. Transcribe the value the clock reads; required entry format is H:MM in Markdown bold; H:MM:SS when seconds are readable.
**11:52**
